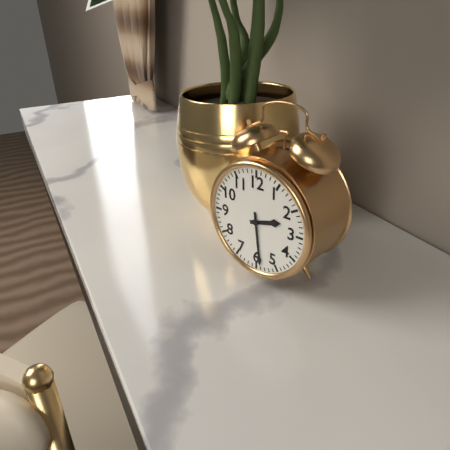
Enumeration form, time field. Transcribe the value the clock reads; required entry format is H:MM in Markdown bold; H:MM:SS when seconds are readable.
**2:29**
